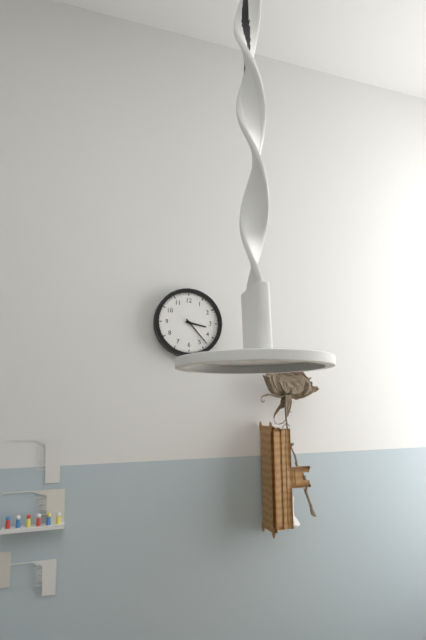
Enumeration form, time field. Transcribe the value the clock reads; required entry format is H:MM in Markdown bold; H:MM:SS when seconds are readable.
**3:23**
